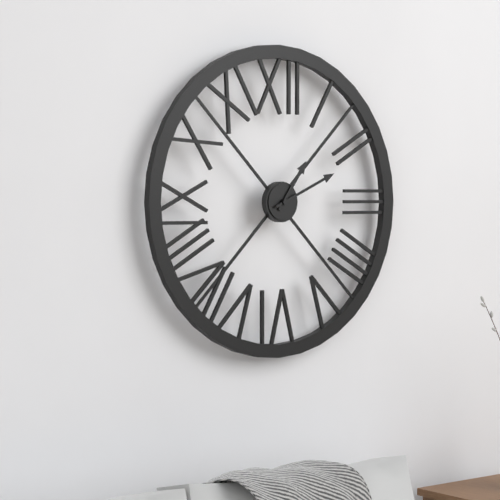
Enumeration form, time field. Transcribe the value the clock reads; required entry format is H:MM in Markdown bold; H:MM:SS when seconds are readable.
**1:11**
